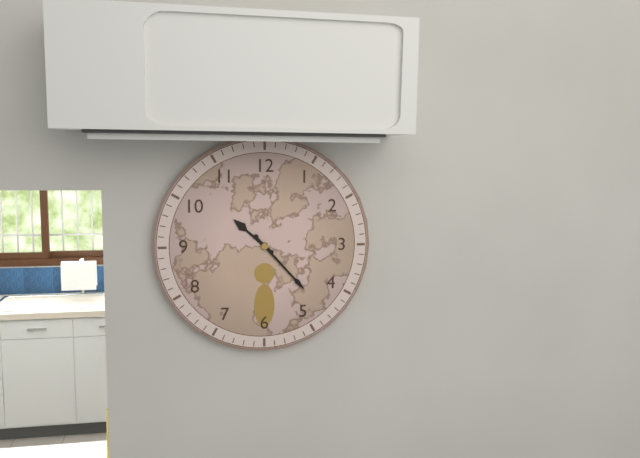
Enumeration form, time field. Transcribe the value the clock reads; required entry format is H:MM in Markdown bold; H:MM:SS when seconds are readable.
**10:23**
